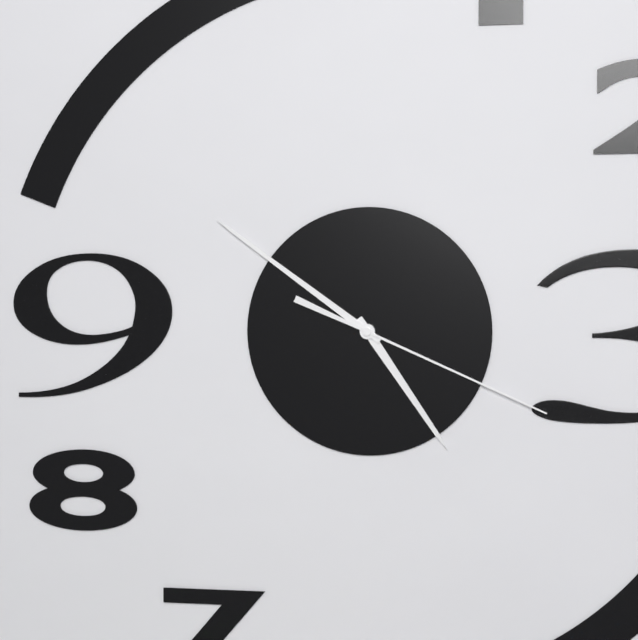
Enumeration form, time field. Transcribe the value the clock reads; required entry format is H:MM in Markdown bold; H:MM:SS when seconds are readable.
**4:51:19**
